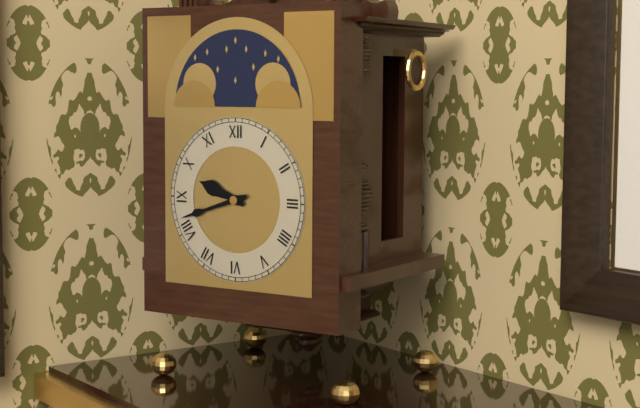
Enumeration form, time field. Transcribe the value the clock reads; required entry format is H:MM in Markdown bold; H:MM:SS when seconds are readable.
**9:42**
